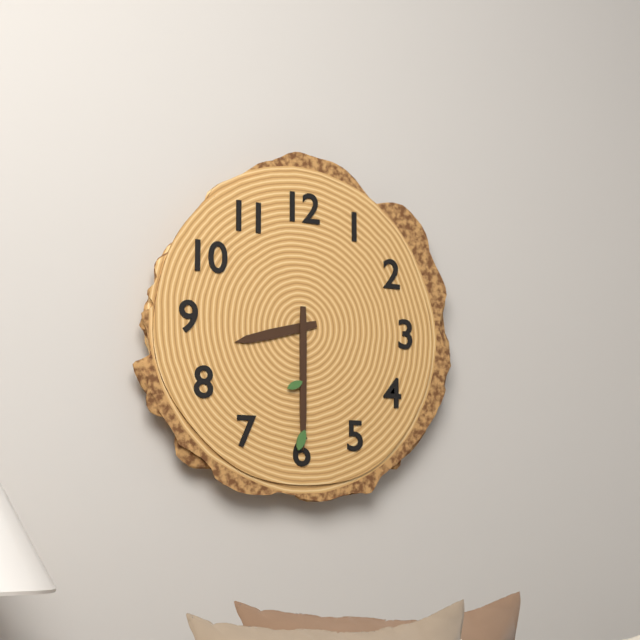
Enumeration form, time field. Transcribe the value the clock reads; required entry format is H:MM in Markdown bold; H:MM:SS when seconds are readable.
**8:30**
